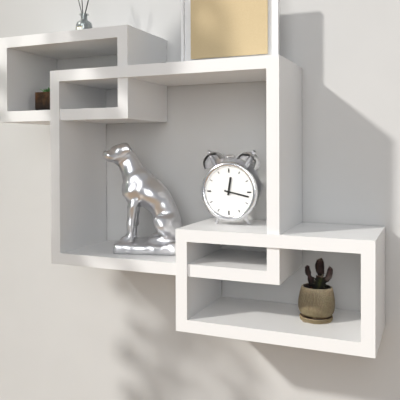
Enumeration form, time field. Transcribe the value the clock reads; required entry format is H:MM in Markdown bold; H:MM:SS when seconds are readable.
**12:17**
